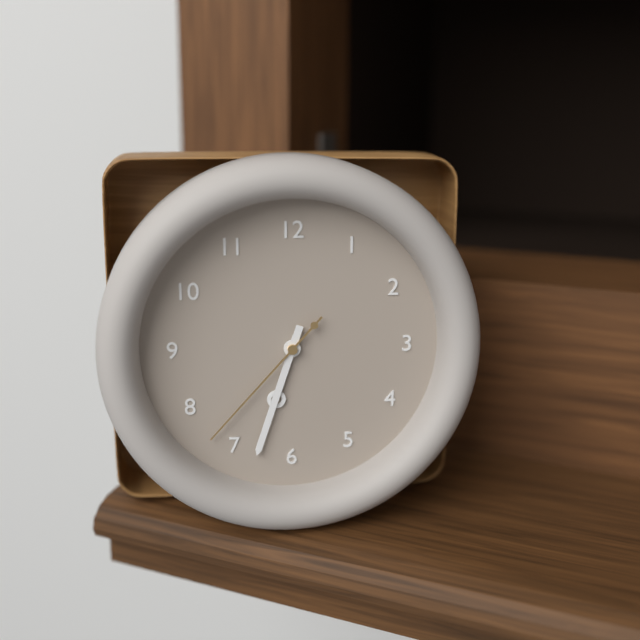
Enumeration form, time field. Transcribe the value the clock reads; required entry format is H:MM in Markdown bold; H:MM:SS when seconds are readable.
**6:33:37**
